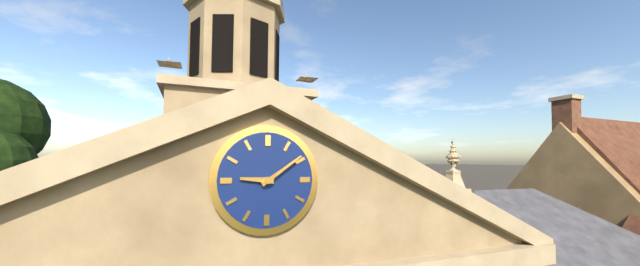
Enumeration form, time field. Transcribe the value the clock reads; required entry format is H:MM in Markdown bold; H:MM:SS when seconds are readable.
**9:09**
